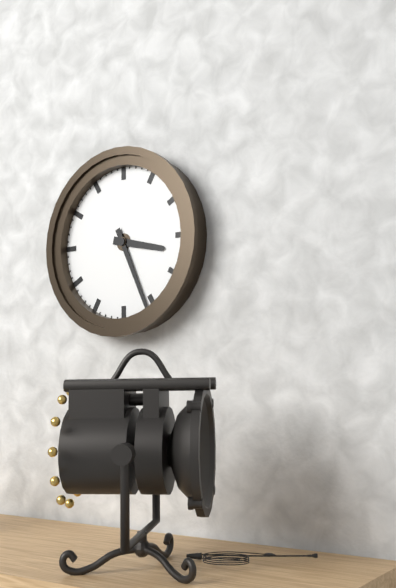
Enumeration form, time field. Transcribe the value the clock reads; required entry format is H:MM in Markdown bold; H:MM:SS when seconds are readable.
**3:26**
